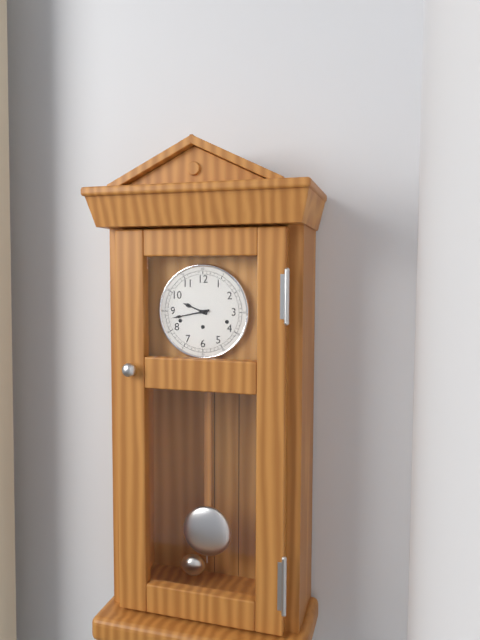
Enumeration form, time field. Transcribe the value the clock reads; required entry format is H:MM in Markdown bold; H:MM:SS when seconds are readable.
**9:43**
